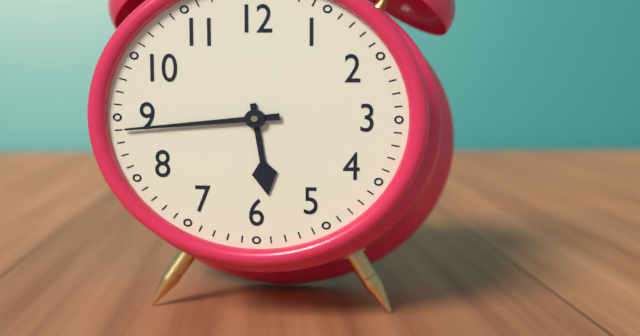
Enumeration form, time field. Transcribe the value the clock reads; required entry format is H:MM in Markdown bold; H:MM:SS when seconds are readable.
**5:44**
